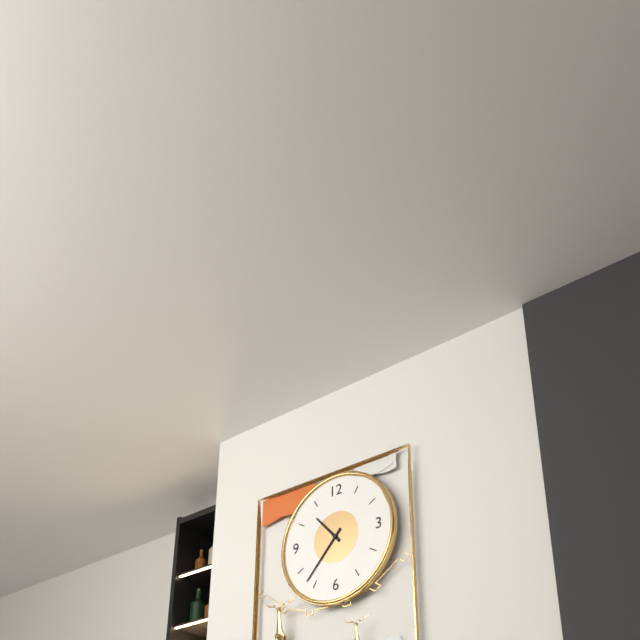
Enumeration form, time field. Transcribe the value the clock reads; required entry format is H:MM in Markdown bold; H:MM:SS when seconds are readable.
**10:37**
